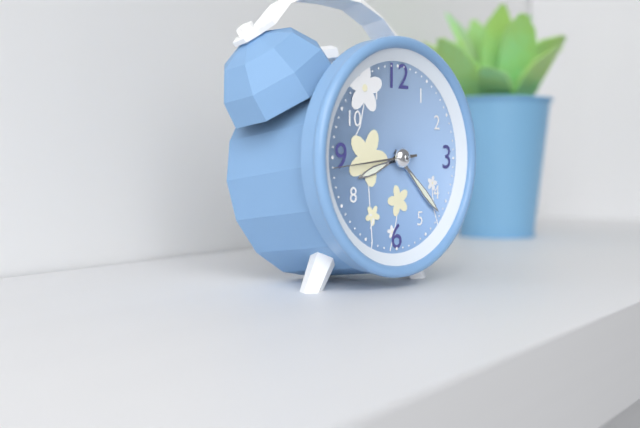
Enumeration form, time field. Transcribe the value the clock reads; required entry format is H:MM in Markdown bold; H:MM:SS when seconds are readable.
**8:22:44**
